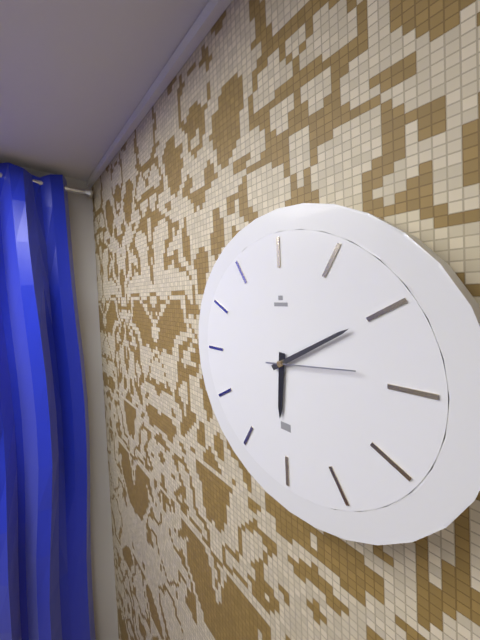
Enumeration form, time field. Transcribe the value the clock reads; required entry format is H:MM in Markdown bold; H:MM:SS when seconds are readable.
**6:10:14**
